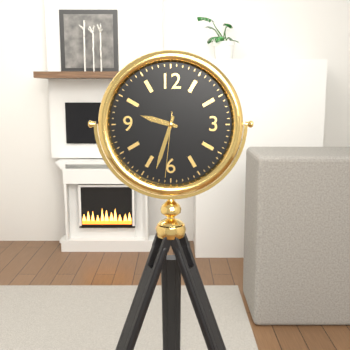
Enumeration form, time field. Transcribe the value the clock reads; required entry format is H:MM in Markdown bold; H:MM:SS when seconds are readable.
**9:33:31**
